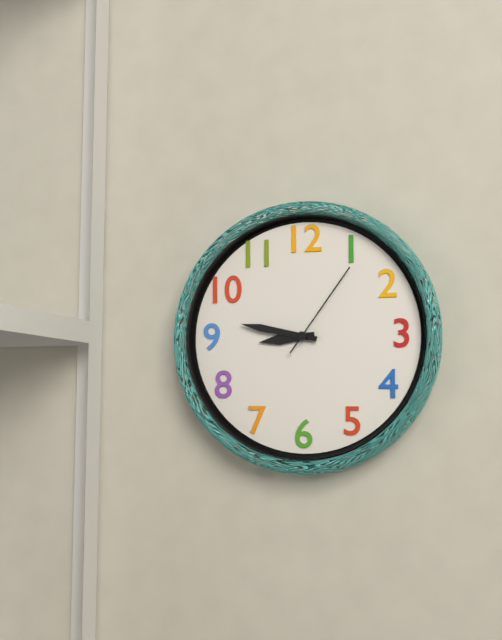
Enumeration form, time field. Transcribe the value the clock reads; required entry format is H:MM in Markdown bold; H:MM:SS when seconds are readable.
**8:47:06**
